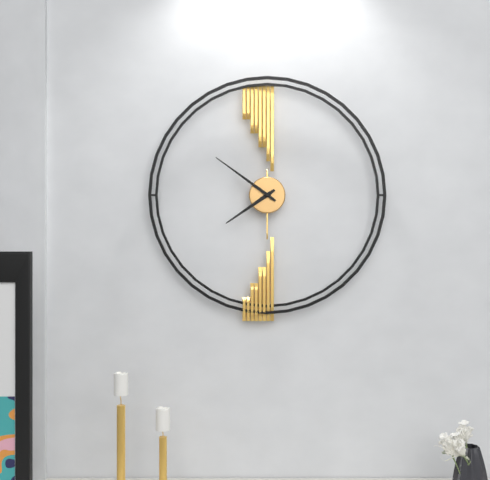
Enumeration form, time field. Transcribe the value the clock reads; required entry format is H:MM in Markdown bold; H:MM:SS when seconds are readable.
**7:51**
